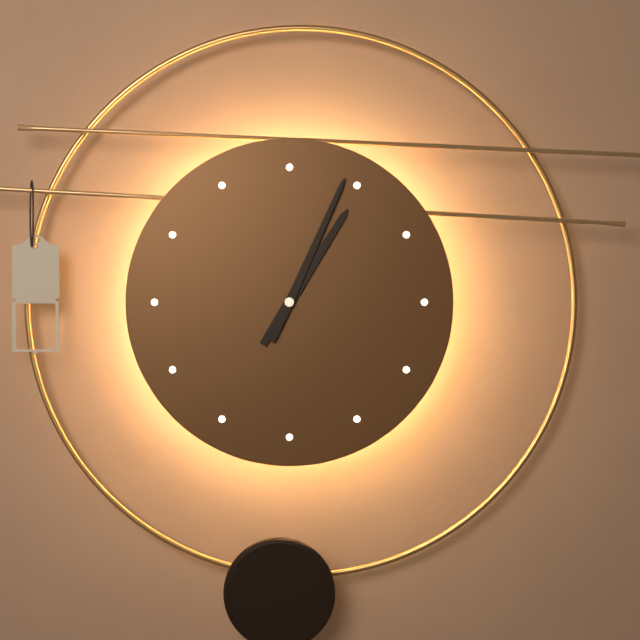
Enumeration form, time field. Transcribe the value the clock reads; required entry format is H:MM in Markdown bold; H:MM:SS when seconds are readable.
**1:04**
